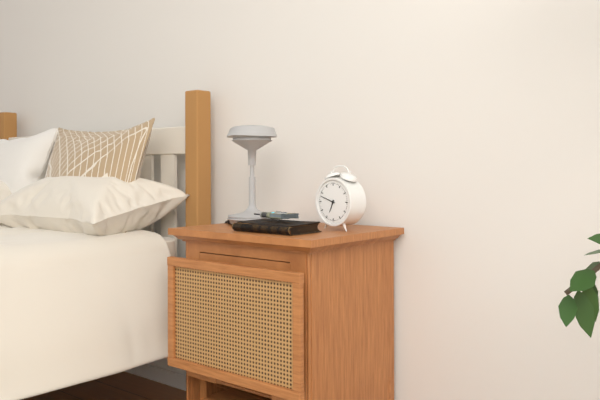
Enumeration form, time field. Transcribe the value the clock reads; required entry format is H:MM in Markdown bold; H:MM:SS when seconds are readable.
**6:48**
